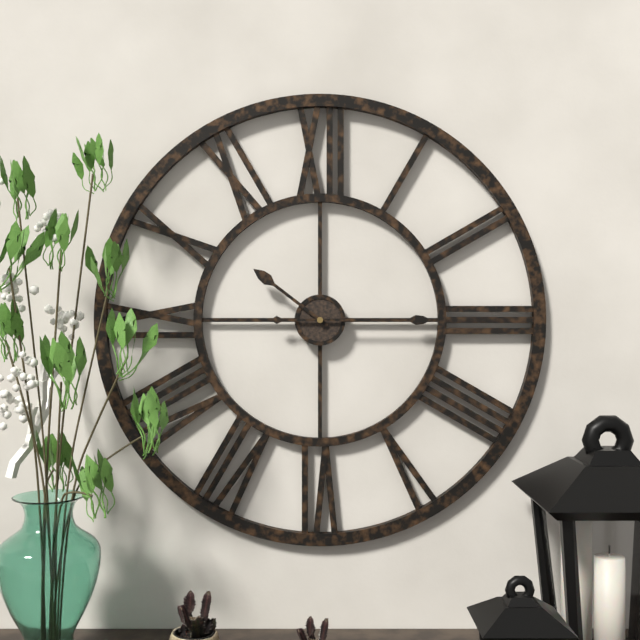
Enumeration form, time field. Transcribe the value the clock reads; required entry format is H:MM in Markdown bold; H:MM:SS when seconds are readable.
**10:15**
